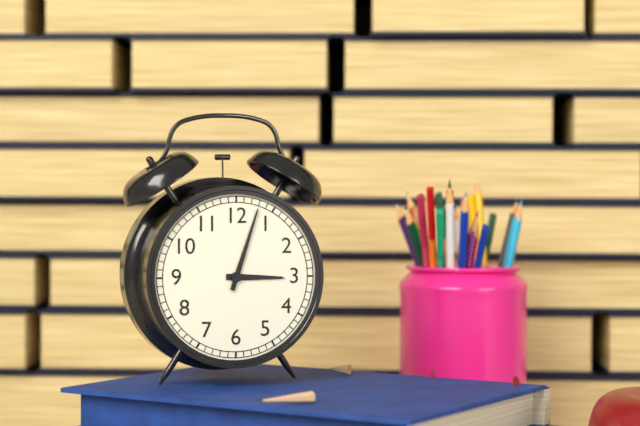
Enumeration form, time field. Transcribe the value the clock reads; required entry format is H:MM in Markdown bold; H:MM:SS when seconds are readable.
**3:03**
